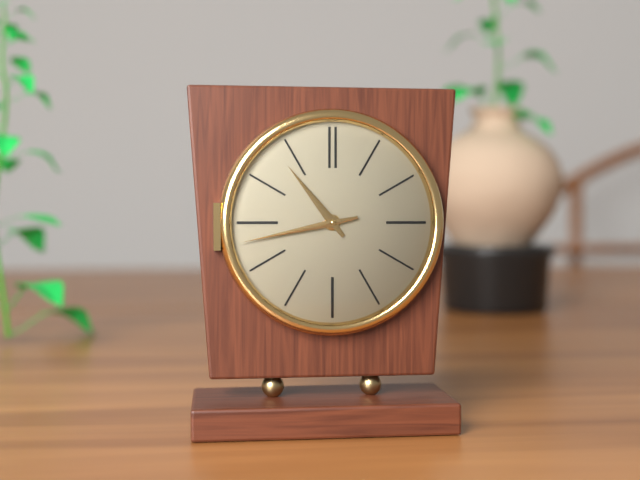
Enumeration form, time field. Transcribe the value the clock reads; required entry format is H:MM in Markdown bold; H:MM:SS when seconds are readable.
**10:43**
